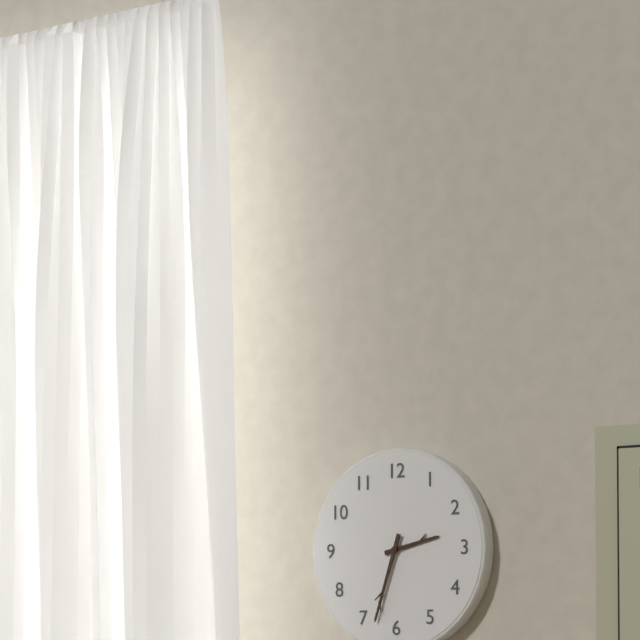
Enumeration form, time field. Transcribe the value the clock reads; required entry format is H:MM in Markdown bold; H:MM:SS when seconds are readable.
**2:33**
